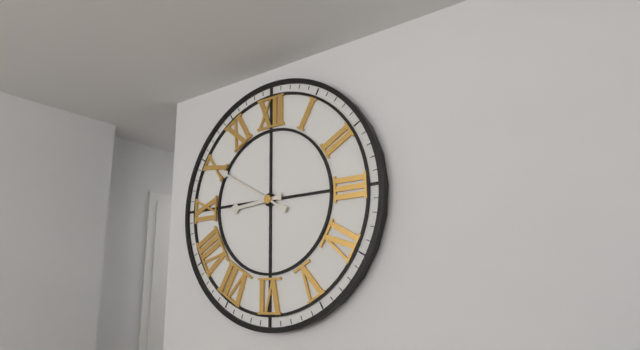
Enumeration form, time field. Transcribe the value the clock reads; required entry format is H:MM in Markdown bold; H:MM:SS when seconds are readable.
**8:50**
